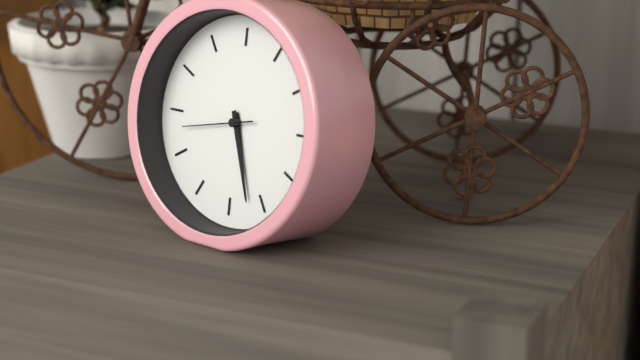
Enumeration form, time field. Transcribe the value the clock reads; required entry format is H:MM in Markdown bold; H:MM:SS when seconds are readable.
**5:27:43**
